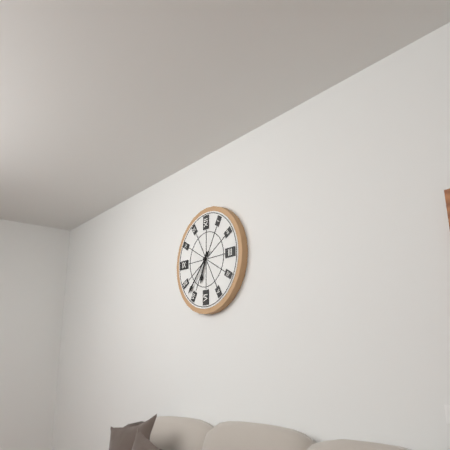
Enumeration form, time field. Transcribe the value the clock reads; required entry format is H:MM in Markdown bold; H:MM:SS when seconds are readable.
**6:37**
